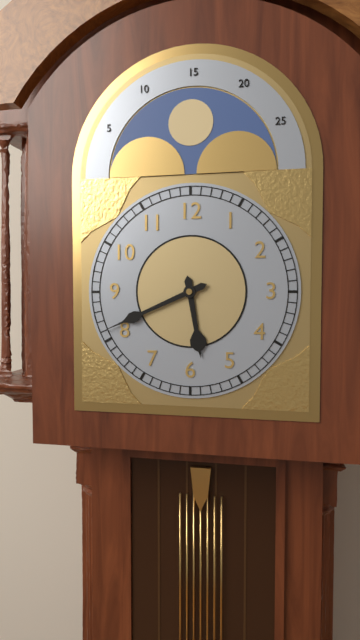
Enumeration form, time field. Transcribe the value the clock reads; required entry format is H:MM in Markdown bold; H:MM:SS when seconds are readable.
**5:41**
